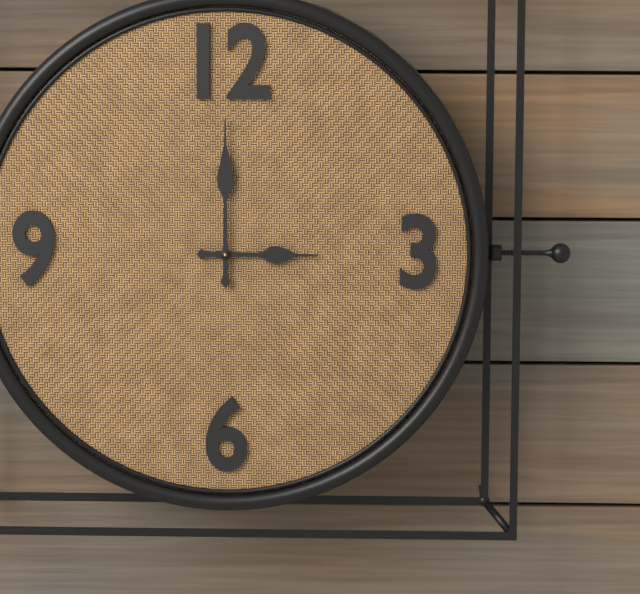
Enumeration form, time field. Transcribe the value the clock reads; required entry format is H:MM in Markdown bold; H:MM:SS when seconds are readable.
**3:00**
